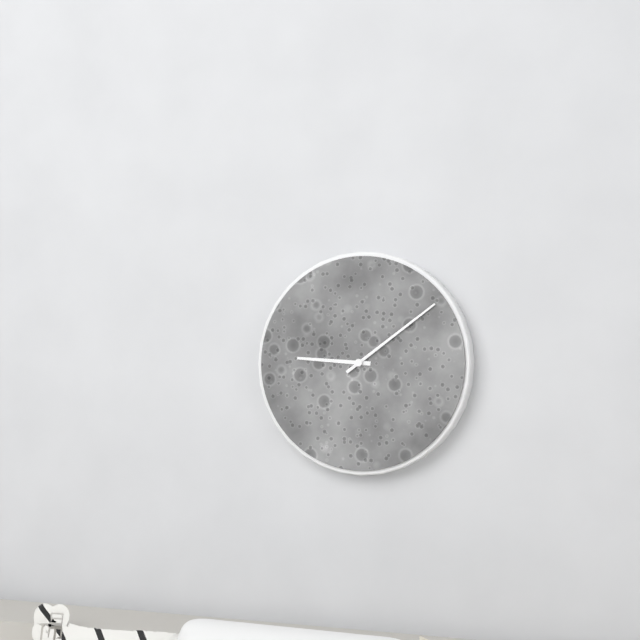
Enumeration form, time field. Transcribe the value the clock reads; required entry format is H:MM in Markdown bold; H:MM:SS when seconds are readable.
**9:09**
